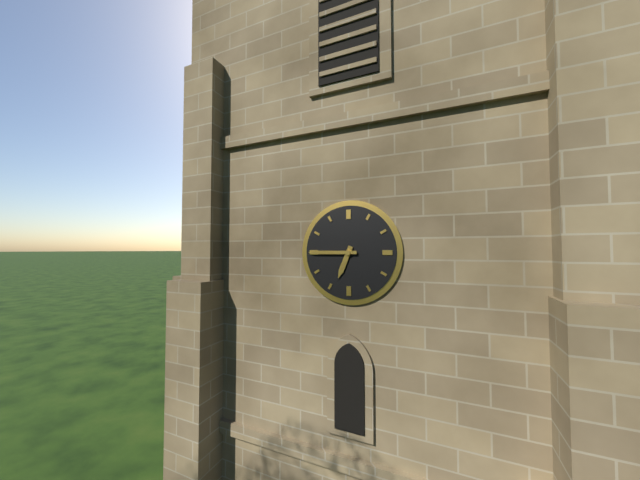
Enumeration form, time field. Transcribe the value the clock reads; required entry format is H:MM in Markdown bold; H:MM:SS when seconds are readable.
**6:45**
